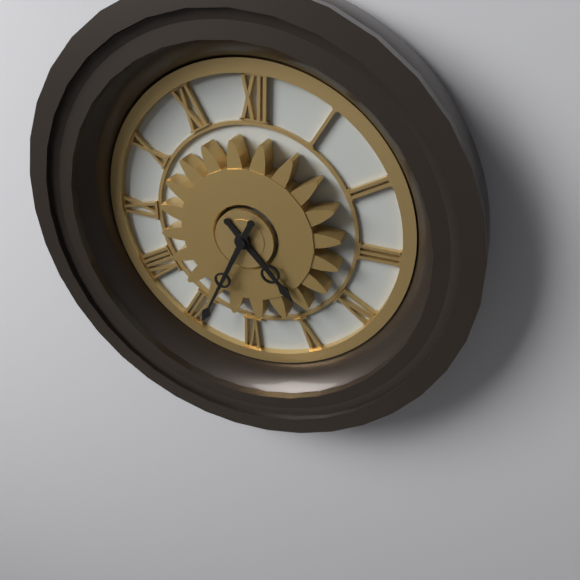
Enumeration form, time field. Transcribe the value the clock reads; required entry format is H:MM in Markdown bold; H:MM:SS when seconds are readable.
**4:34**
